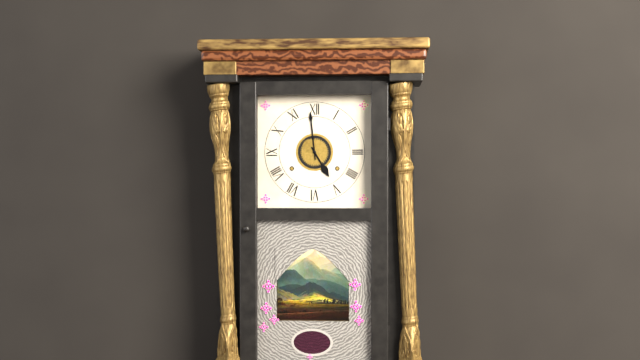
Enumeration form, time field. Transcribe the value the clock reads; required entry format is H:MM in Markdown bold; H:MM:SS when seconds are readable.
**4:59**
